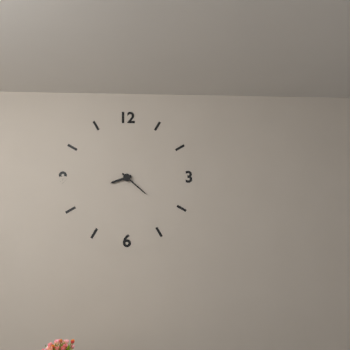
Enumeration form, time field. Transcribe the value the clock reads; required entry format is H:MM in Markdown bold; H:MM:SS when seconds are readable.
**8:22**
